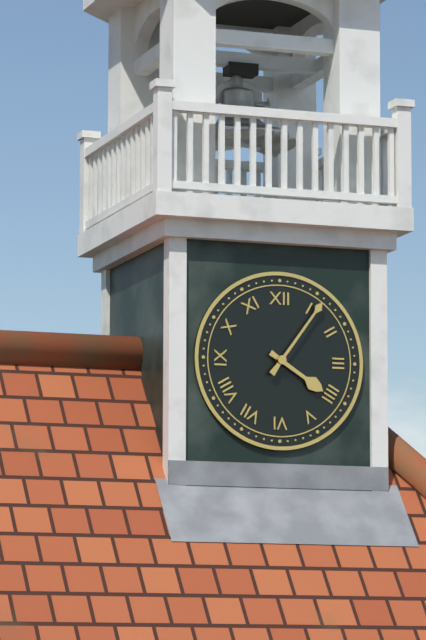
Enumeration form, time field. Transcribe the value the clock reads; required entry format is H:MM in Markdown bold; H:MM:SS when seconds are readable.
**4:06**
